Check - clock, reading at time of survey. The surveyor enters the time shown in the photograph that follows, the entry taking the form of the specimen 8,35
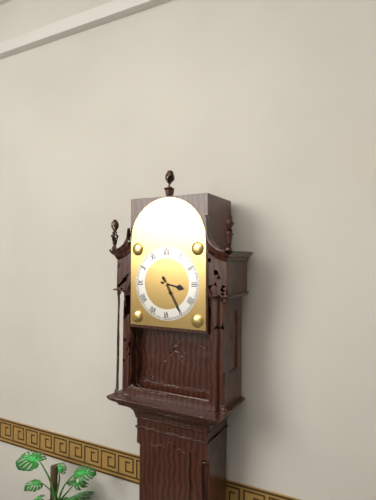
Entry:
3,25
